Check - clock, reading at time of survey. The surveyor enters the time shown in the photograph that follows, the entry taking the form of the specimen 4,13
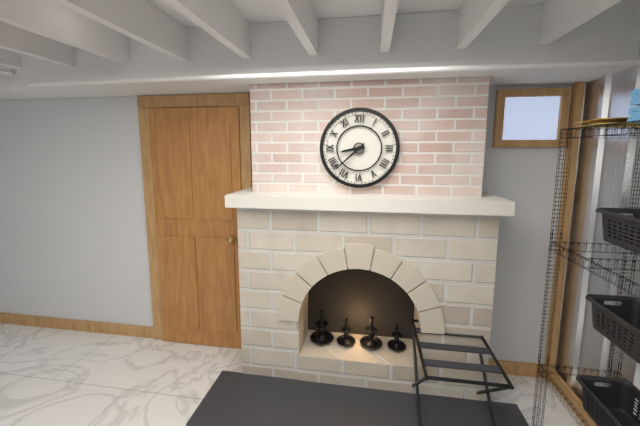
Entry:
8,38
